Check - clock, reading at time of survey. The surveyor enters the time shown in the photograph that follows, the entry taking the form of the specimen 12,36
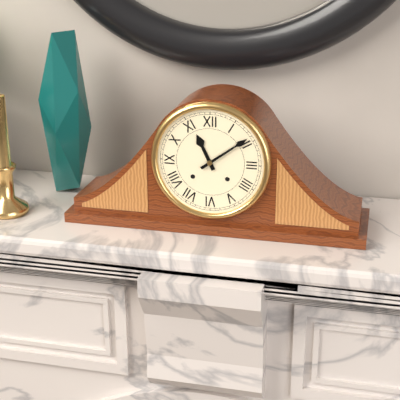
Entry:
11,09
